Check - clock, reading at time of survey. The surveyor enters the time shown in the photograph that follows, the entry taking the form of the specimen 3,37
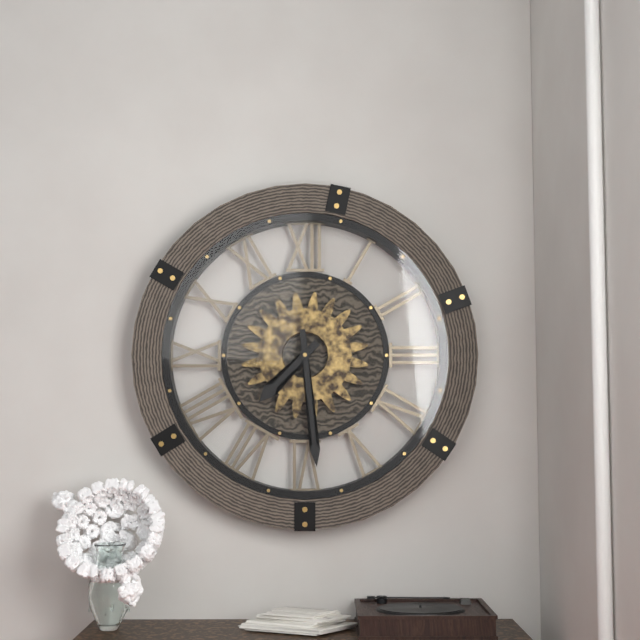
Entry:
7,29
